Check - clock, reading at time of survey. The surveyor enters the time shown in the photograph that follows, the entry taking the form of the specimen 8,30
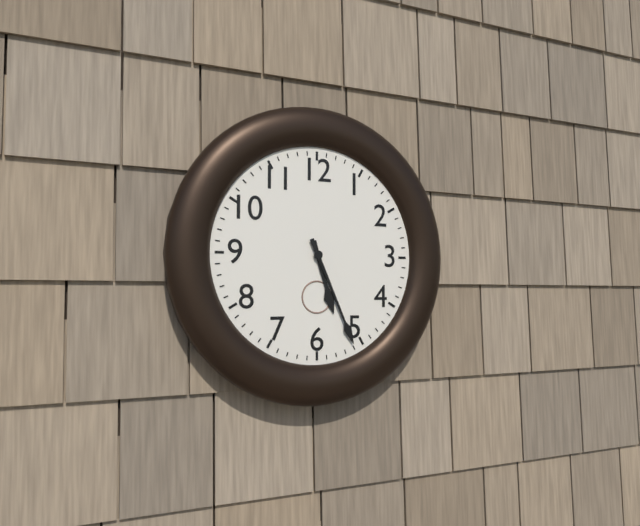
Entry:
5,26
